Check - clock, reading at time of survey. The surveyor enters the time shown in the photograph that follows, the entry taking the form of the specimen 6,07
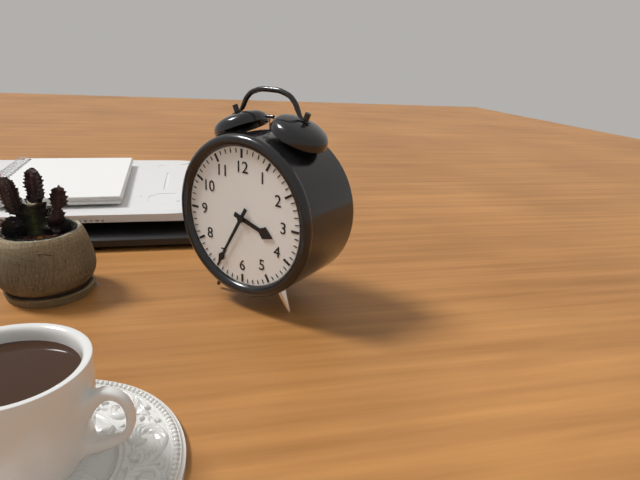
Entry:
3,35
